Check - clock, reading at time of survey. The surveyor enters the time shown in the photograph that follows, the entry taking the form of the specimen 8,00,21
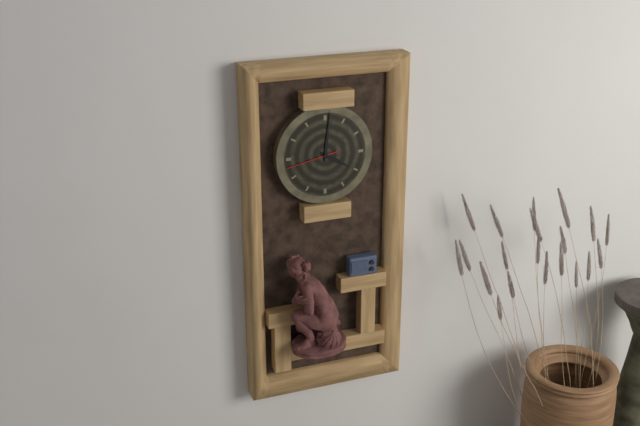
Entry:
4,01,43
